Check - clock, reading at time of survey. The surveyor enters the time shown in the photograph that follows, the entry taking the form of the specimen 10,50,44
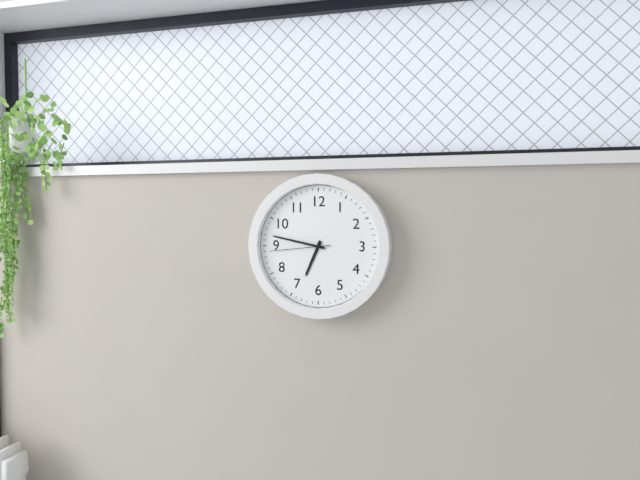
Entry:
6,47,44
